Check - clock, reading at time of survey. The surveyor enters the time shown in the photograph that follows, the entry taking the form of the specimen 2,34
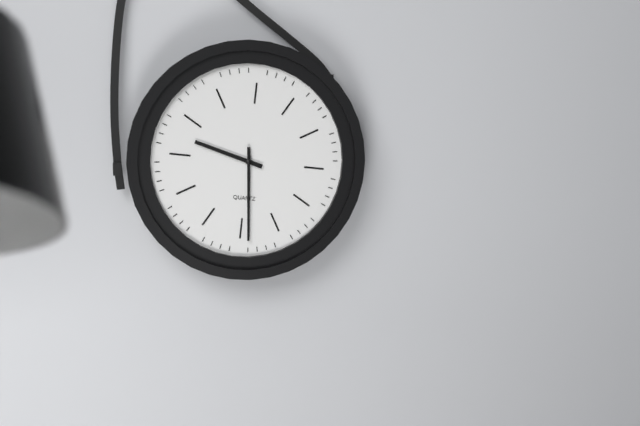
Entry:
9,29
